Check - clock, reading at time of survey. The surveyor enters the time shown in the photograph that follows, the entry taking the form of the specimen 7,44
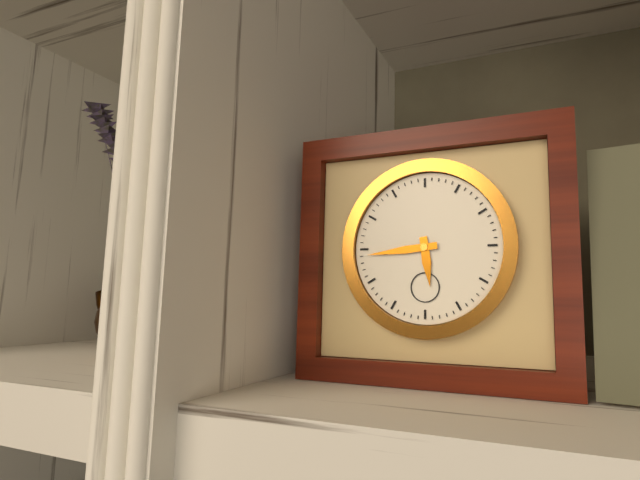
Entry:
5,44
